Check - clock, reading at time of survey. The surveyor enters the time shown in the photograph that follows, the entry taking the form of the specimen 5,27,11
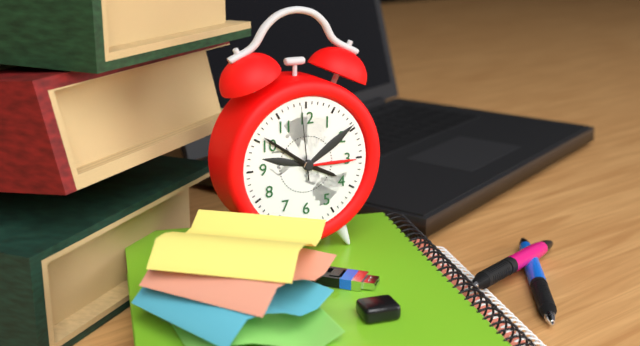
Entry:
3,51,59
